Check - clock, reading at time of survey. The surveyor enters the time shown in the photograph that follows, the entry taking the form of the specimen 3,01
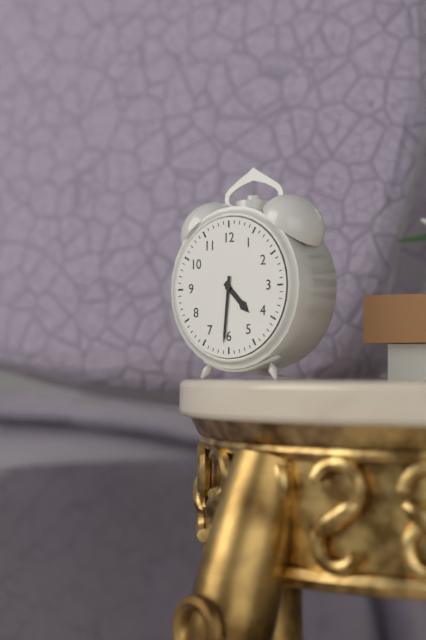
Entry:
4,31
